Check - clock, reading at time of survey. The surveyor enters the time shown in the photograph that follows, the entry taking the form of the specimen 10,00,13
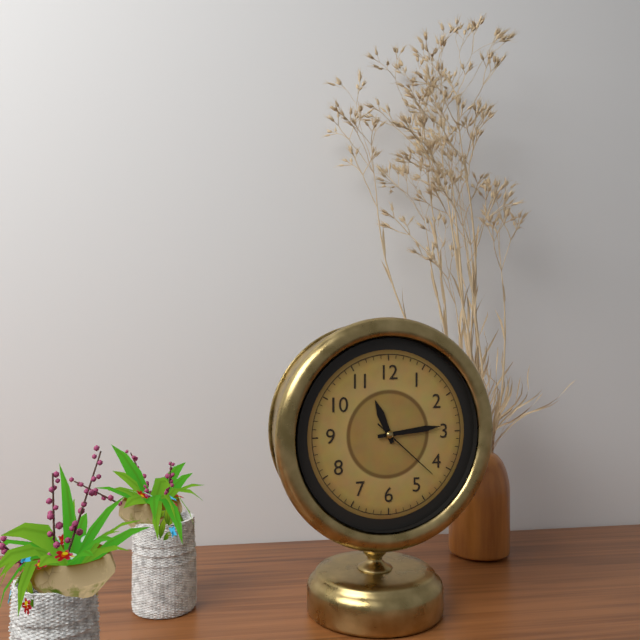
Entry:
11,14,22
